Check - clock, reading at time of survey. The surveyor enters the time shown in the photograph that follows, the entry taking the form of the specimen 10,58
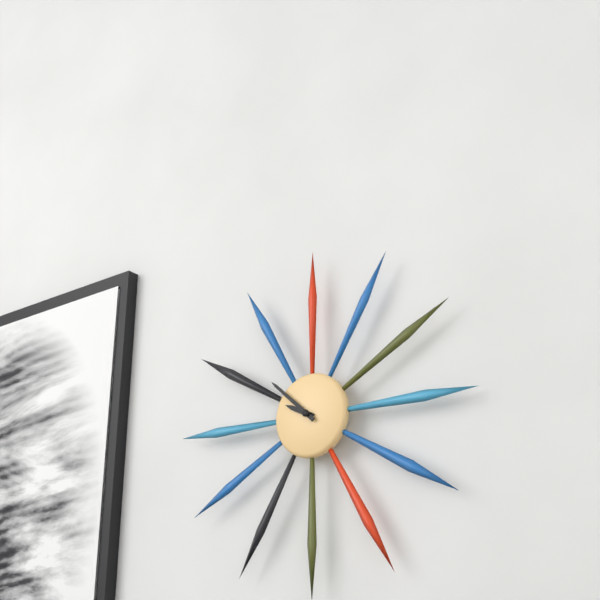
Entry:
9,52
